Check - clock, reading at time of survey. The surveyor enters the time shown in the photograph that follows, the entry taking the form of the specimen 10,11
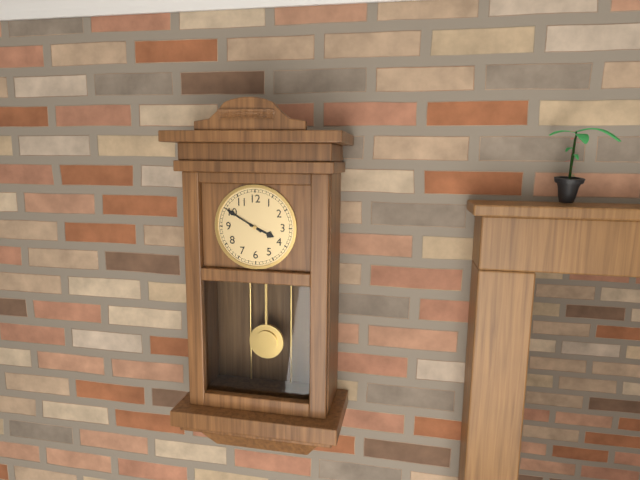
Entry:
3,50
